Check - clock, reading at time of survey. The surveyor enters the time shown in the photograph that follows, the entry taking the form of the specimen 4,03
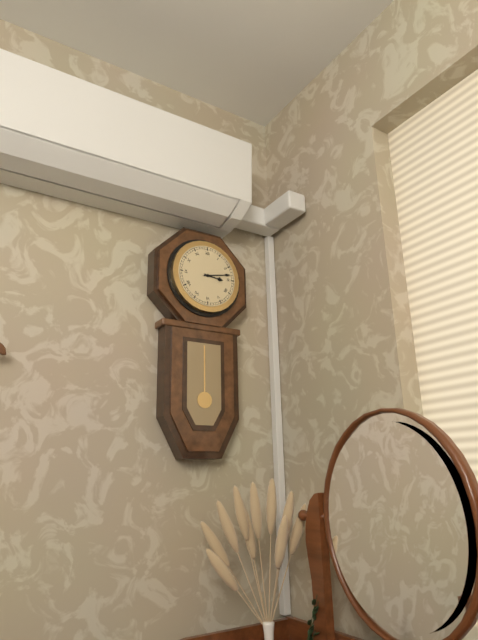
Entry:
3,13
